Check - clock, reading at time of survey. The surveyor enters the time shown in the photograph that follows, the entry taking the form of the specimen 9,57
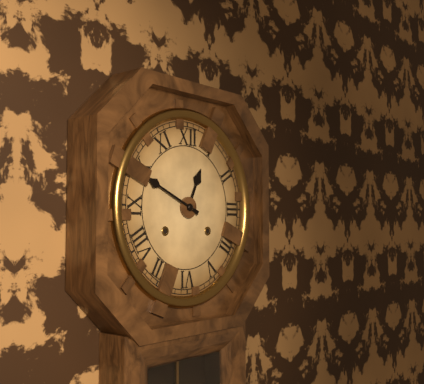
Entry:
12,49
